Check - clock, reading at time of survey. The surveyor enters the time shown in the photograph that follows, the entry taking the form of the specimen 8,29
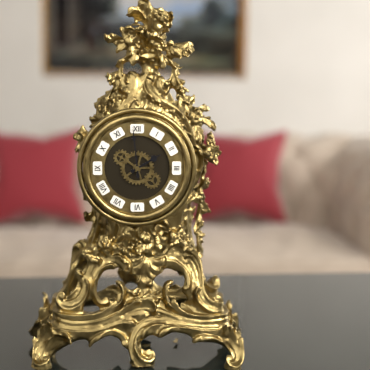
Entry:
1,59
